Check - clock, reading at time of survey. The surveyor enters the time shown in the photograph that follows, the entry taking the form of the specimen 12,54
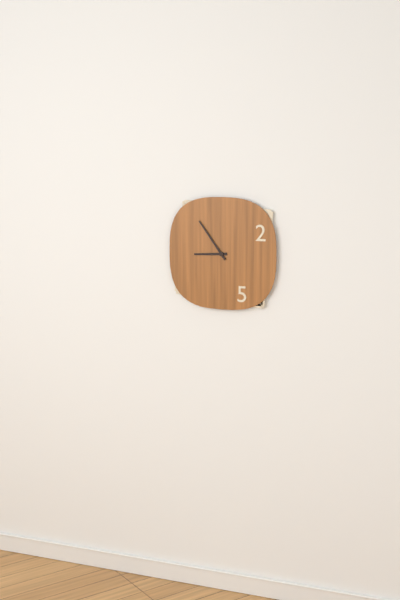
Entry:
8,54
